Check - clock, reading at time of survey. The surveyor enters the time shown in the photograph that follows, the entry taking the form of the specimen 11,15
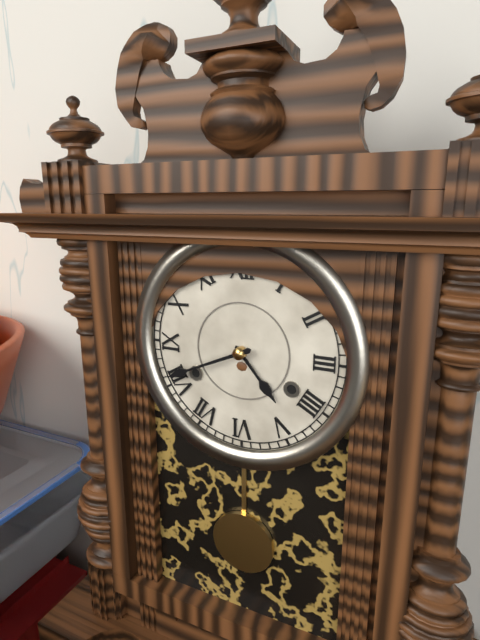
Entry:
4,41
